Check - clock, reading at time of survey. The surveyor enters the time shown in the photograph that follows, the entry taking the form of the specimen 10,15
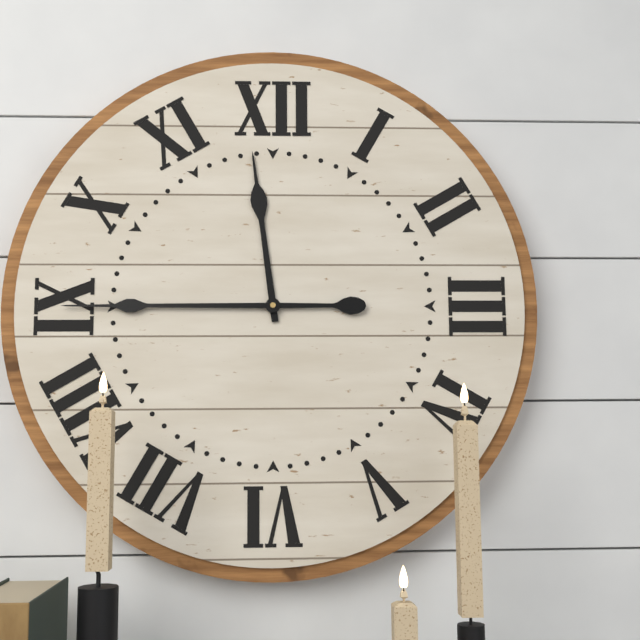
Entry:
11,45
